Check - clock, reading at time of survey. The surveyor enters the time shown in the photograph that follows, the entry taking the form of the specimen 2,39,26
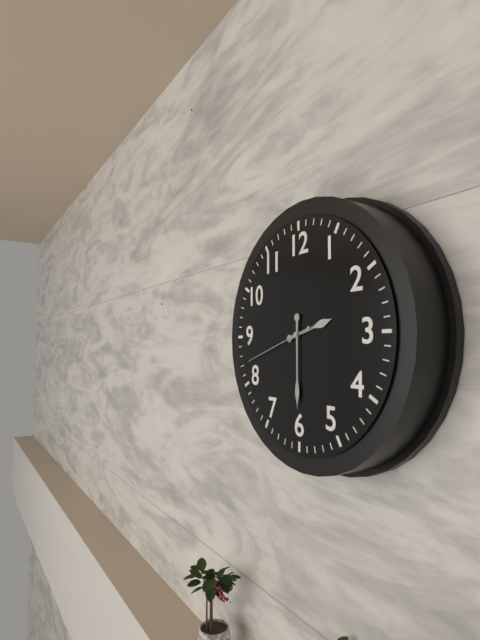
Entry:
2,30,42
